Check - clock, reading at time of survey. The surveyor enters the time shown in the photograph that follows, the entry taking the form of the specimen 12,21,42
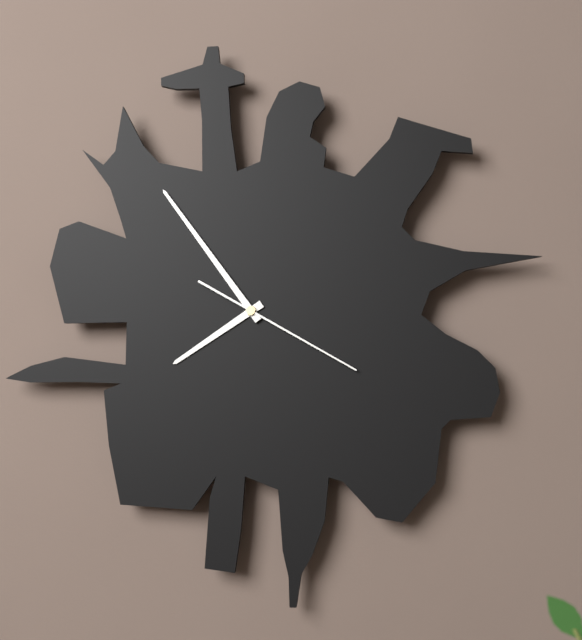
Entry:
7,54,20
